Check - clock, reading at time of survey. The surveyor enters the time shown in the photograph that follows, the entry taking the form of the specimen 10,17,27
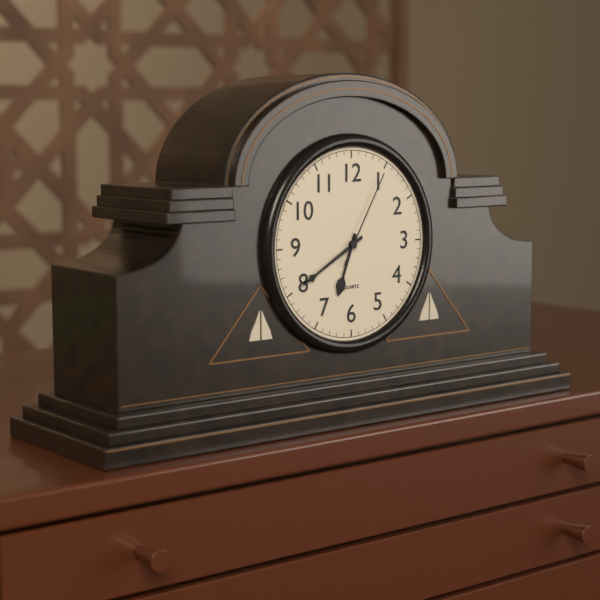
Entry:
6,40,05
